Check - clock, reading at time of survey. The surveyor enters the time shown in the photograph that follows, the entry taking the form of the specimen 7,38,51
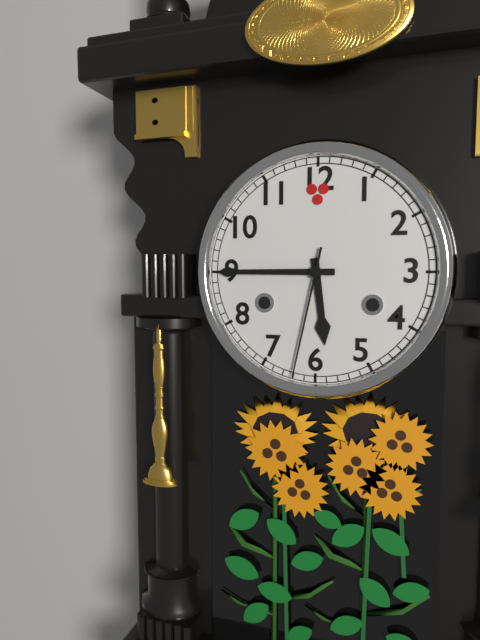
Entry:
5,45,32
